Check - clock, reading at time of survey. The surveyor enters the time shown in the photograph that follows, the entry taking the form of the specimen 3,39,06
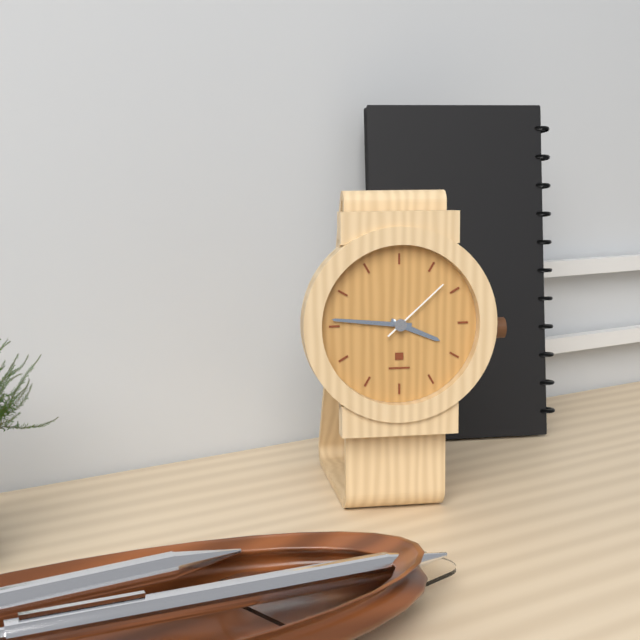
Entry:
3,46,08
